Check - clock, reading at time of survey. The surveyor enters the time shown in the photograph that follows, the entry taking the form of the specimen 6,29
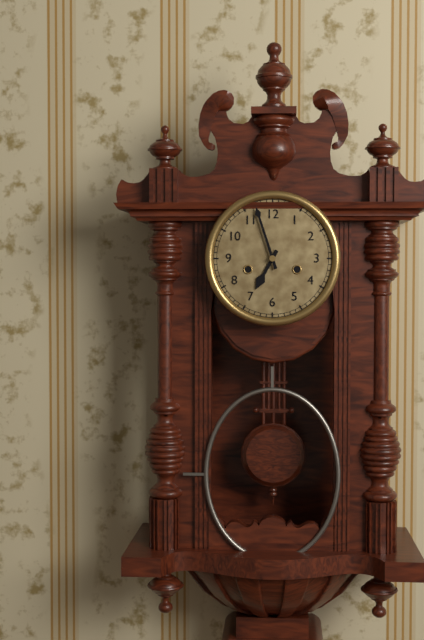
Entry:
6,57
